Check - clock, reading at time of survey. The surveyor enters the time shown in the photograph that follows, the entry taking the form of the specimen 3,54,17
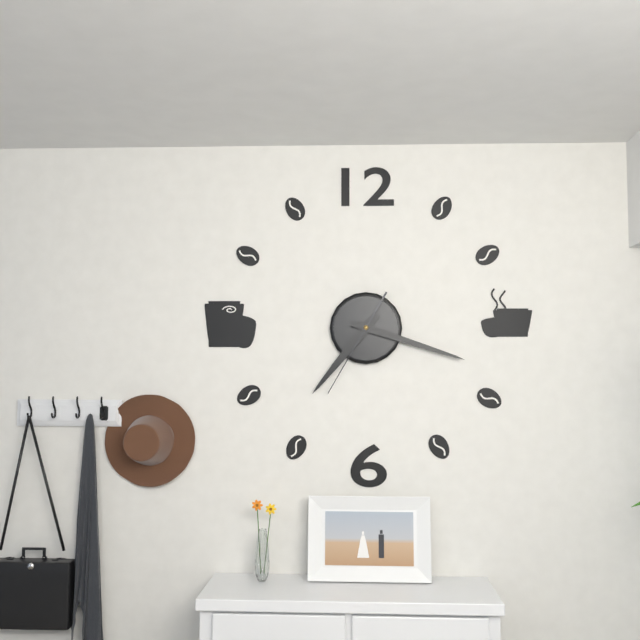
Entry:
7,18,35
